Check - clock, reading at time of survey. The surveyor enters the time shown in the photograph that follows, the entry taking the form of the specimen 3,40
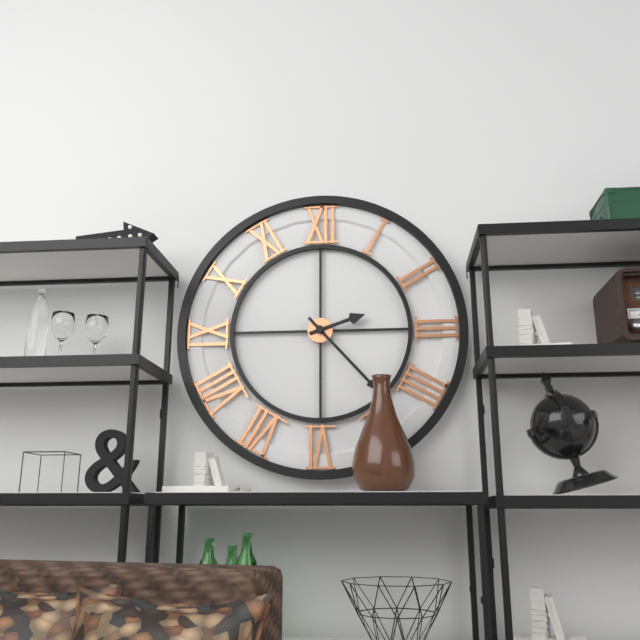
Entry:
2,23
